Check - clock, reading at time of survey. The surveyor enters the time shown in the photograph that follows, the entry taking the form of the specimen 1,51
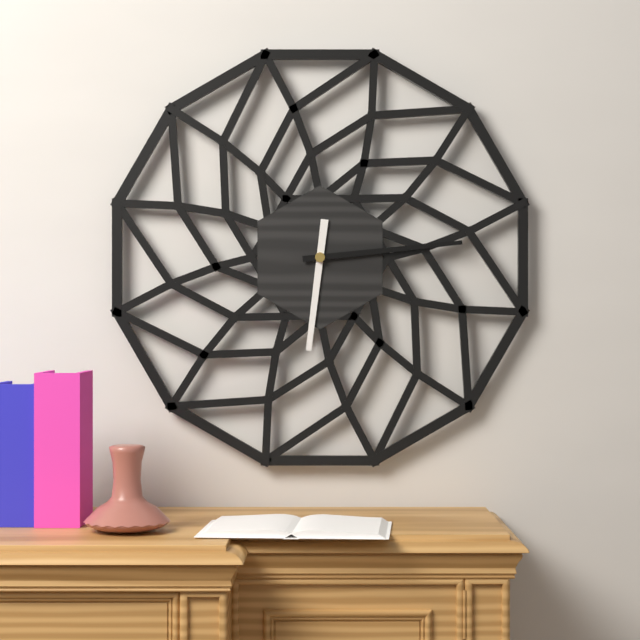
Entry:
6,14
